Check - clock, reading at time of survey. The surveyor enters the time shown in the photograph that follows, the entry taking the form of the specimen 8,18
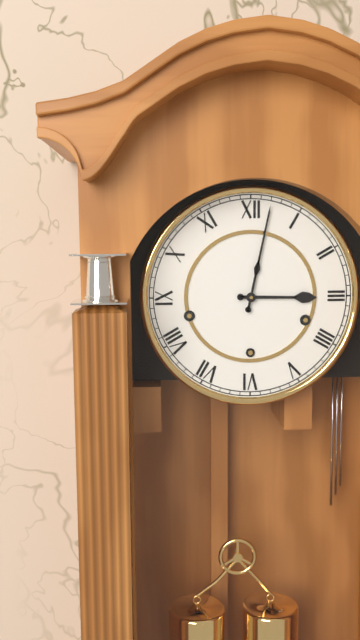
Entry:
3,02
